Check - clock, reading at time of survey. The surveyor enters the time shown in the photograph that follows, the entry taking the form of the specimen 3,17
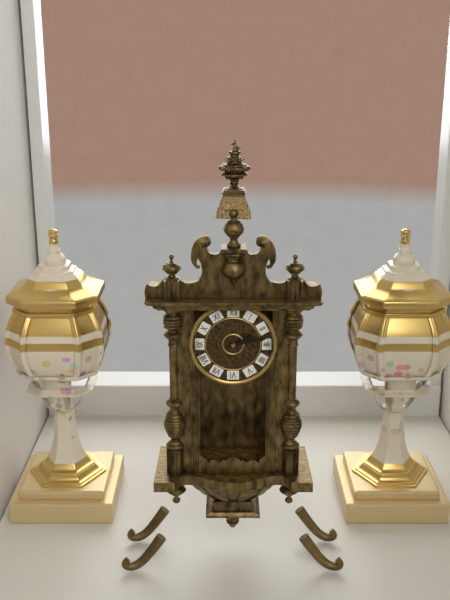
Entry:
2,13
